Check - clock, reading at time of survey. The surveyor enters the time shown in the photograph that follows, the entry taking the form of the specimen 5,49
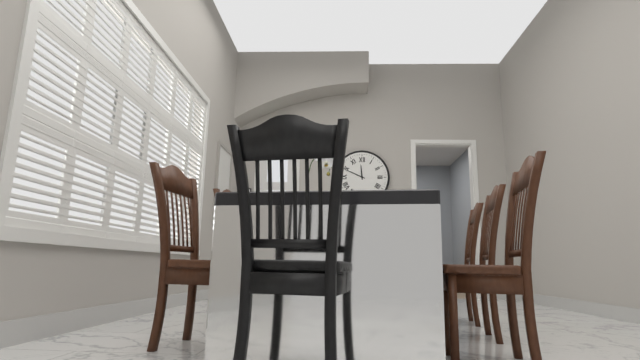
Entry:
11,49
